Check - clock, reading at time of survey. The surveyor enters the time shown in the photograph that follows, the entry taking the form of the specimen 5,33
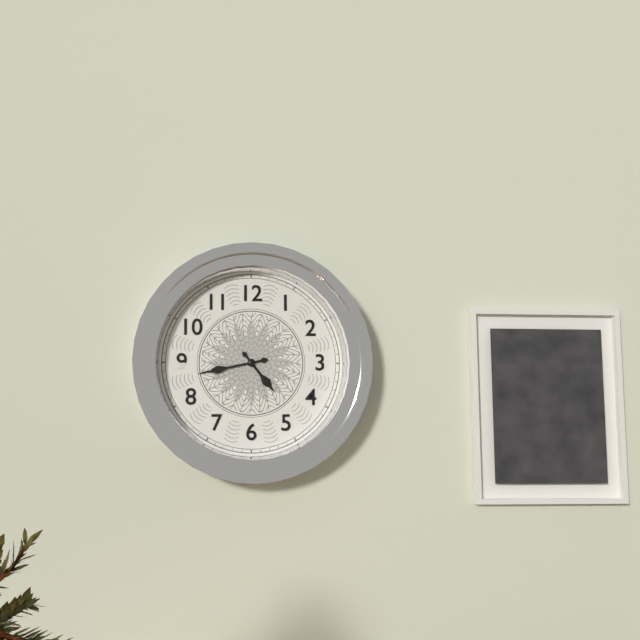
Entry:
4,43
